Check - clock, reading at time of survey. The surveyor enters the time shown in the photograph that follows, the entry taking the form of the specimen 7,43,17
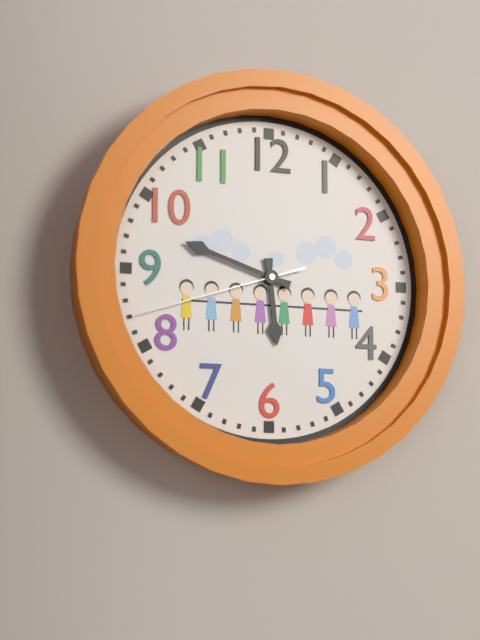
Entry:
5,48,42
